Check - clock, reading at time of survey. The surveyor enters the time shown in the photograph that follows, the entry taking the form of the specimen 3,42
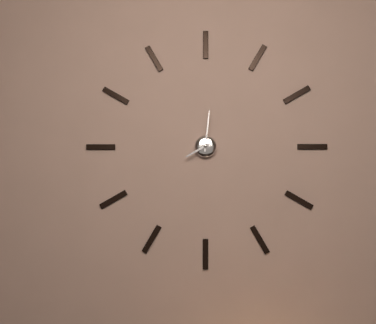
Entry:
8,01
